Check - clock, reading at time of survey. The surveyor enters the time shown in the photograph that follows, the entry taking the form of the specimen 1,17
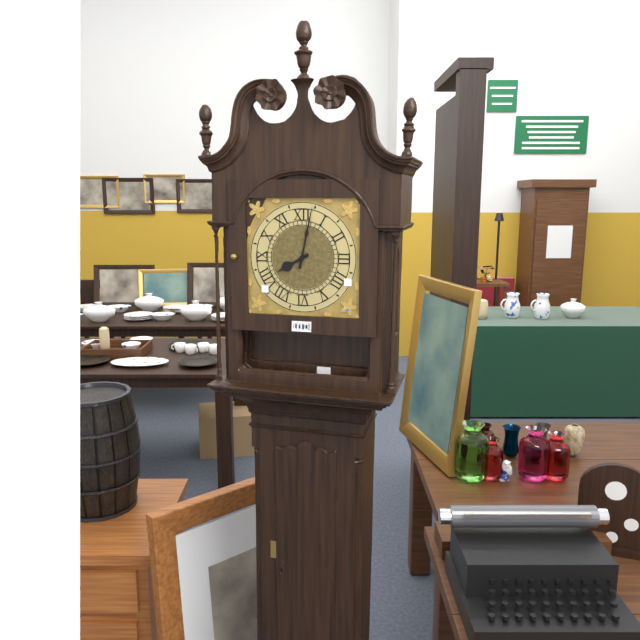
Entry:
8,02
